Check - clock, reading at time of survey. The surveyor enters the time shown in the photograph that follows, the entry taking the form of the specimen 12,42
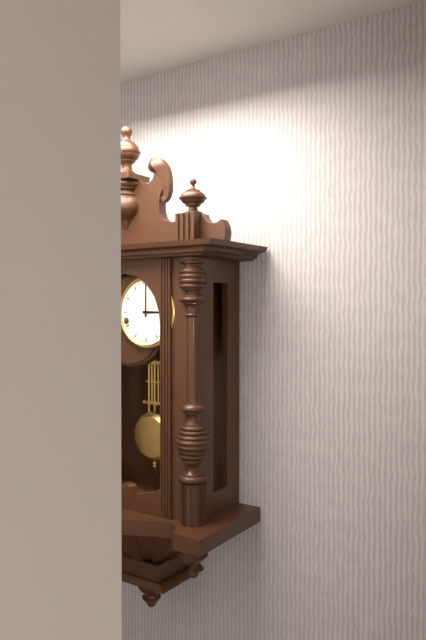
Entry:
3,00
